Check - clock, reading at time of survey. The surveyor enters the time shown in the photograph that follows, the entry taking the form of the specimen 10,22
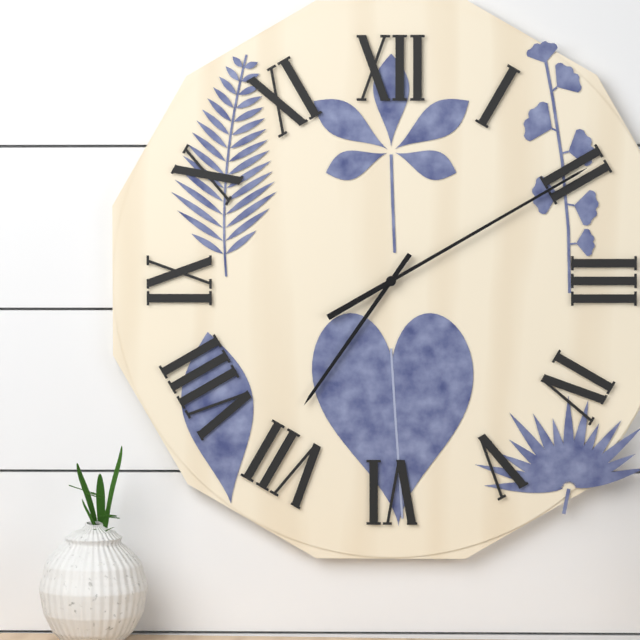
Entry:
7,10
